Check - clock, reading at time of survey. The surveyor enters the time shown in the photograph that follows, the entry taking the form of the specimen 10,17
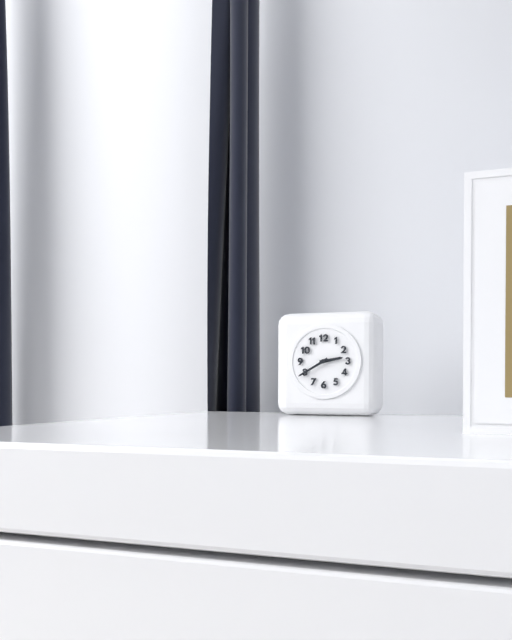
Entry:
2,40
